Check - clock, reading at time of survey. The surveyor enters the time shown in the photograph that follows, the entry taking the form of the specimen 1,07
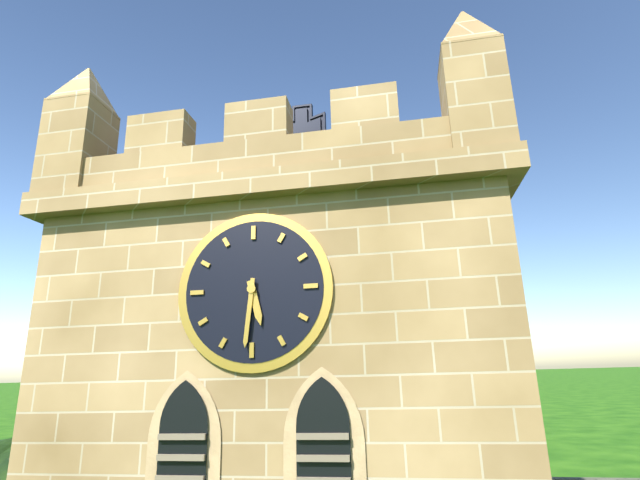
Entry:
5,31
